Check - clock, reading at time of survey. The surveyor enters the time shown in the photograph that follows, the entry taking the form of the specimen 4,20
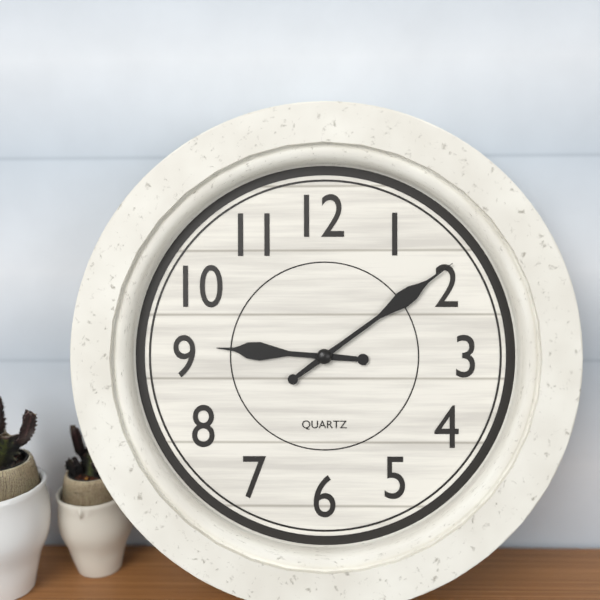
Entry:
9,09
